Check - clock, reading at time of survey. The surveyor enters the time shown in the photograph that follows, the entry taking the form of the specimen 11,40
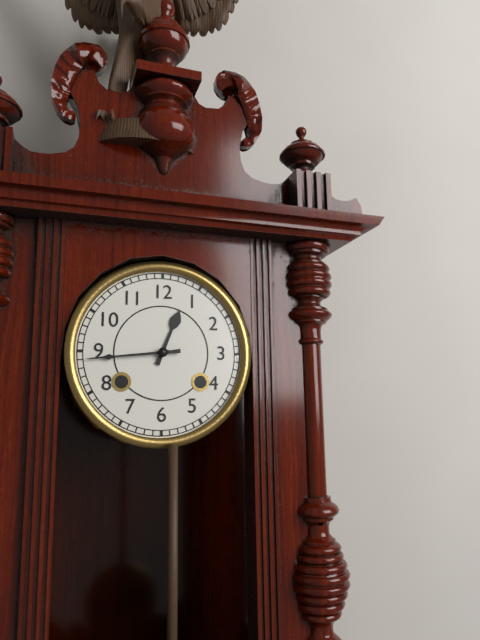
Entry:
12,44
